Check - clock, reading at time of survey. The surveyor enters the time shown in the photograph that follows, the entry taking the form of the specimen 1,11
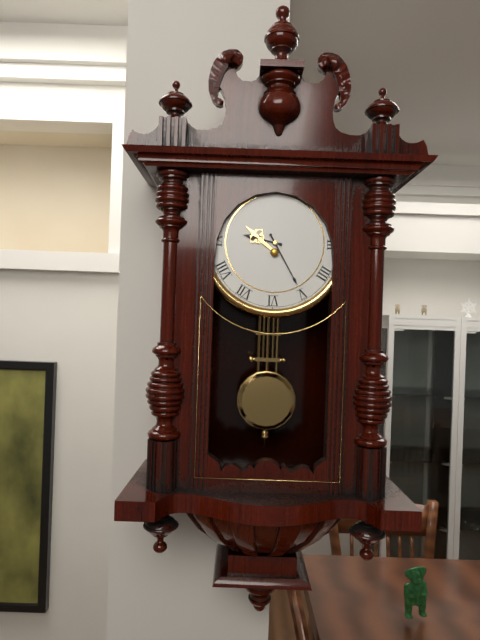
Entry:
9,25
